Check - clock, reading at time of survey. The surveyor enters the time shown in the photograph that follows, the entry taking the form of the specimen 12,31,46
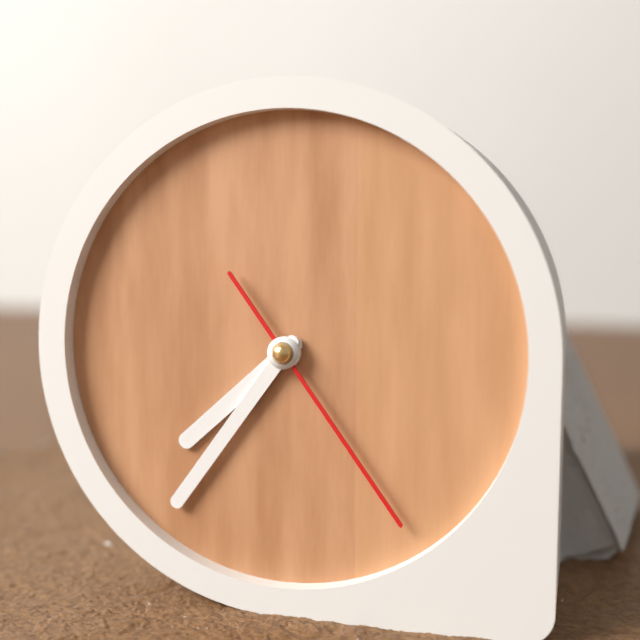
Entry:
7,36,24
